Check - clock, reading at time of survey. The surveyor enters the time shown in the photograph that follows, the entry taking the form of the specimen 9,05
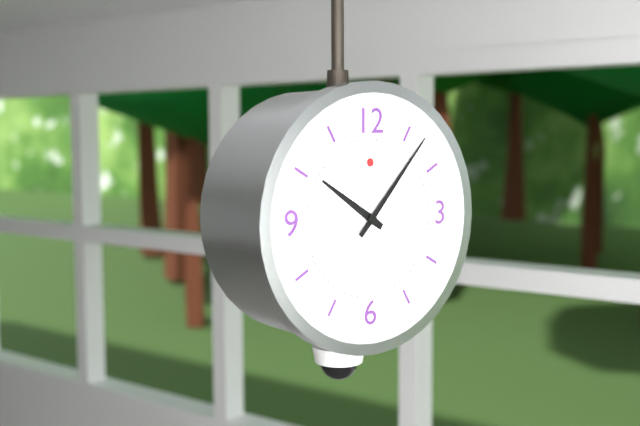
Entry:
10,07
